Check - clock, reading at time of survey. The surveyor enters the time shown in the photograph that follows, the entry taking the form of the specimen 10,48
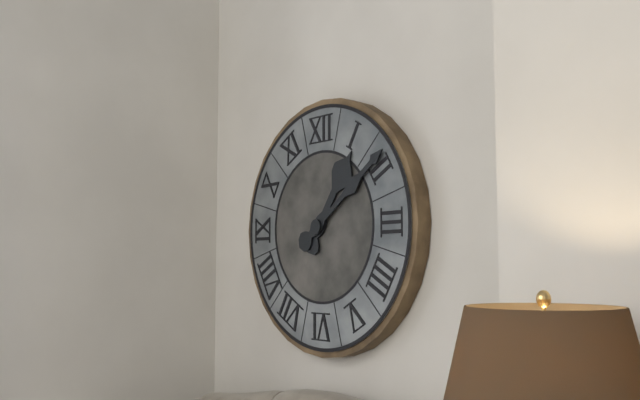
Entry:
1,09
